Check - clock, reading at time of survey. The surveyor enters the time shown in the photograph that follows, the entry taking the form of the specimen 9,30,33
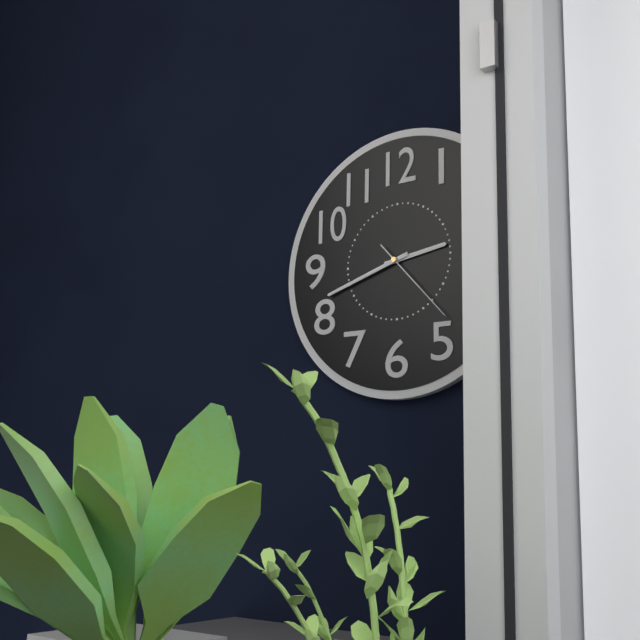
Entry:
2,42,23
